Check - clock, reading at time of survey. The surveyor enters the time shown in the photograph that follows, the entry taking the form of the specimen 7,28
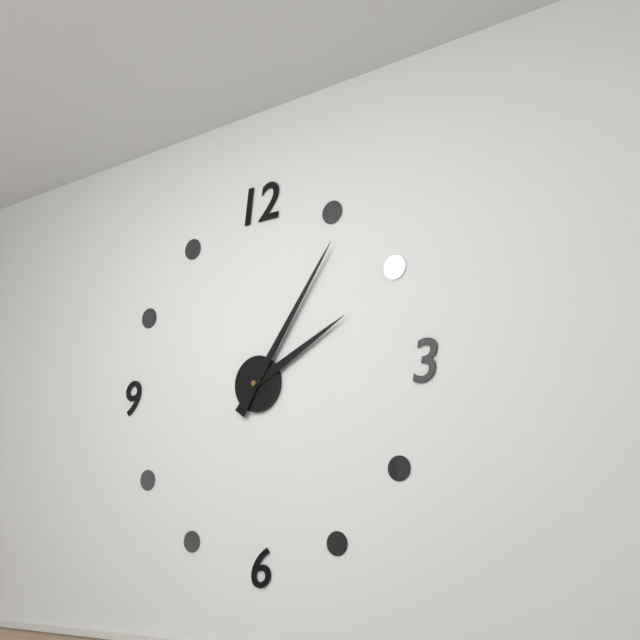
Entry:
2,06
